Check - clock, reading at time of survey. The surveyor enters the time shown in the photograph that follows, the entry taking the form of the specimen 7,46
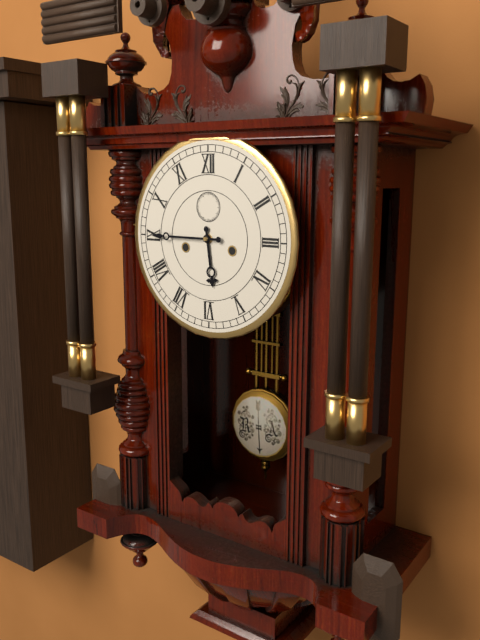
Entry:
5,45
